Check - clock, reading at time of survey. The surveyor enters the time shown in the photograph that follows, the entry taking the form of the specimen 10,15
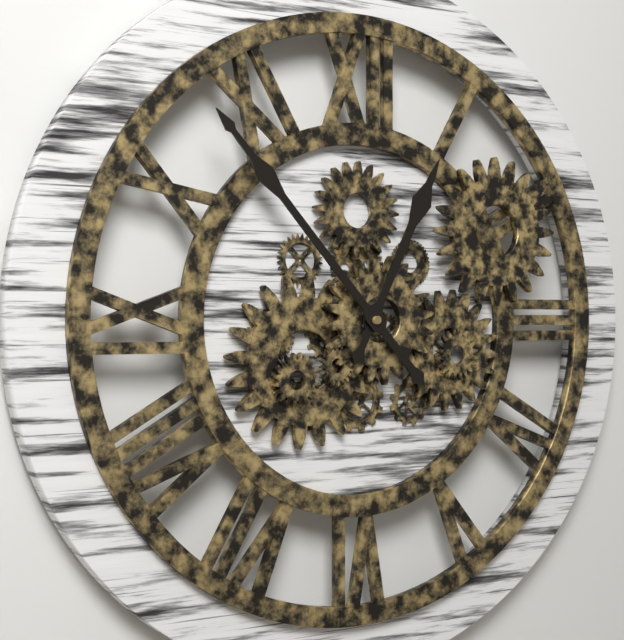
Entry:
12,53
